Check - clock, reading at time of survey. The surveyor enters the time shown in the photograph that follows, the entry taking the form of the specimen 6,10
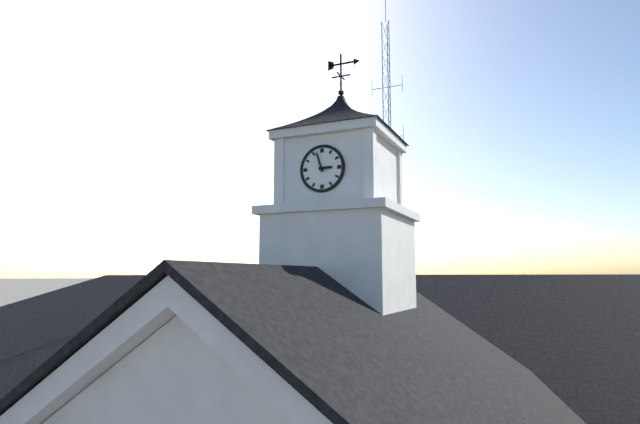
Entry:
2,57
